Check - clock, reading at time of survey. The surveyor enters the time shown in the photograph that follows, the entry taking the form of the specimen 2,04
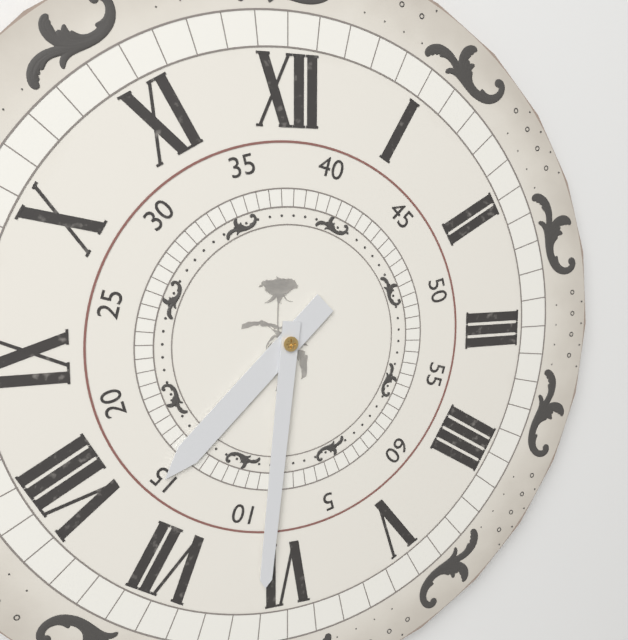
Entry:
7,31
